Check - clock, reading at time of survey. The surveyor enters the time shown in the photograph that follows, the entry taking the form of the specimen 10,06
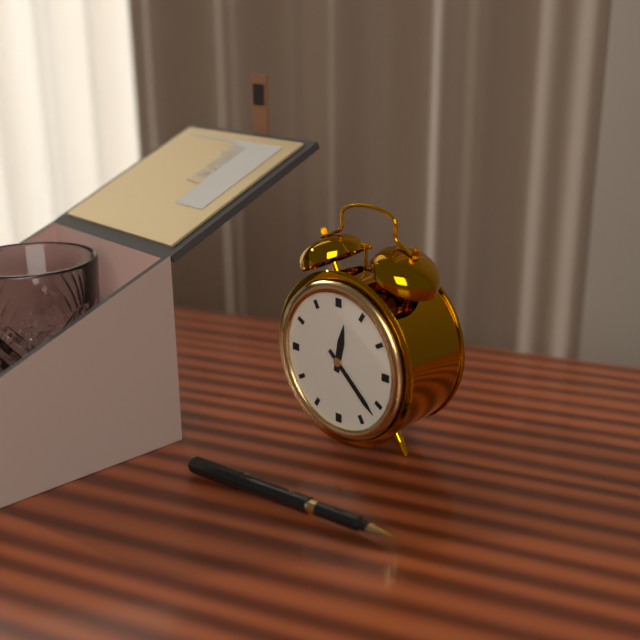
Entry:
12,22
